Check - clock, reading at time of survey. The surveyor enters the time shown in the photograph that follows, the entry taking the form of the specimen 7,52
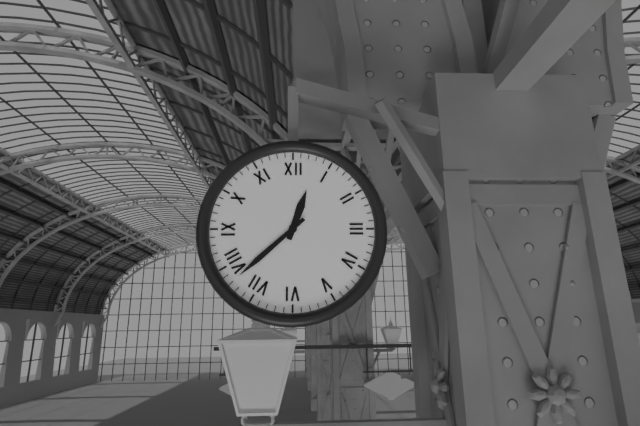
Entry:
12,38
